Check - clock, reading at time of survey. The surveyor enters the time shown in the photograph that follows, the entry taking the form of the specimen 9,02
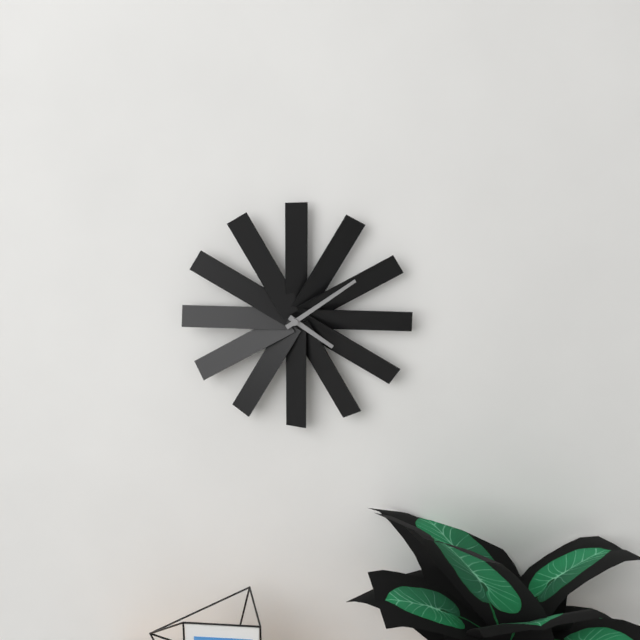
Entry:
4,09
